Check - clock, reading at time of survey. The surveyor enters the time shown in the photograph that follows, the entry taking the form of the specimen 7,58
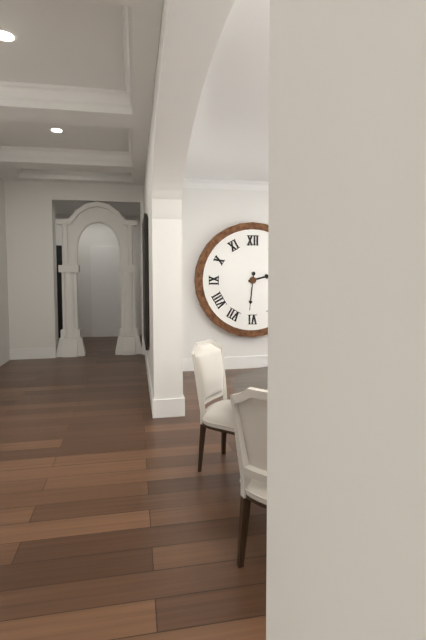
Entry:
2,31
